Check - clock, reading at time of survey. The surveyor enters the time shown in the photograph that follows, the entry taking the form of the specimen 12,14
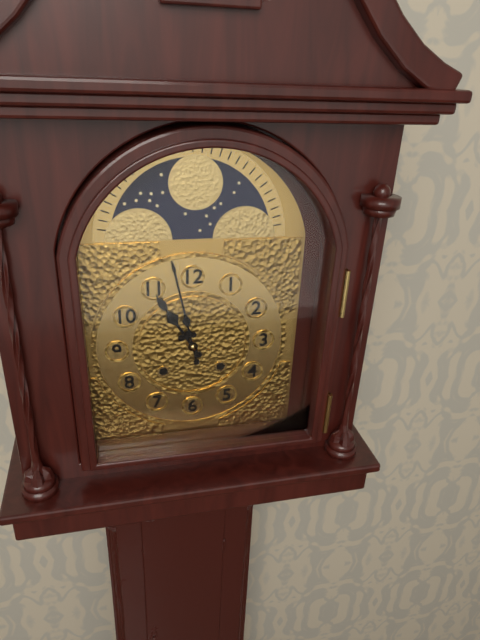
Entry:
10,58
